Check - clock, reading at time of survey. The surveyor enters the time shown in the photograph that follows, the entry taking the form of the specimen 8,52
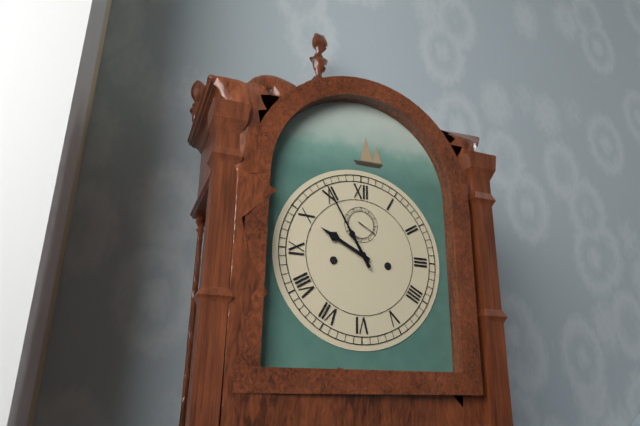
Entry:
9,55
